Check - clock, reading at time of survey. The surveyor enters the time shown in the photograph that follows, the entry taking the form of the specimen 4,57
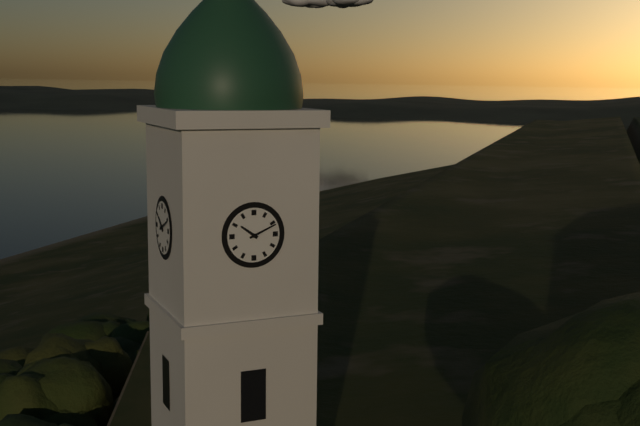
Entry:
10,11
